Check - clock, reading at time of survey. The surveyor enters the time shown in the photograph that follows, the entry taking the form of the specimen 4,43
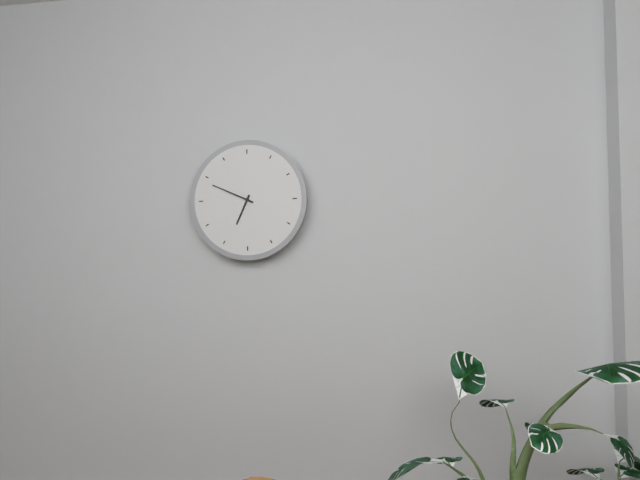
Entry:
6,49
